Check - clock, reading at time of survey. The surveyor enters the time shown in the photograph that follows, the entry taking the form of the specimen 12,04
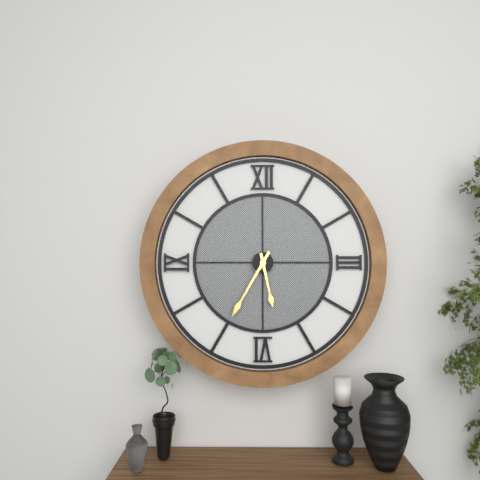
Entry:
5,35
